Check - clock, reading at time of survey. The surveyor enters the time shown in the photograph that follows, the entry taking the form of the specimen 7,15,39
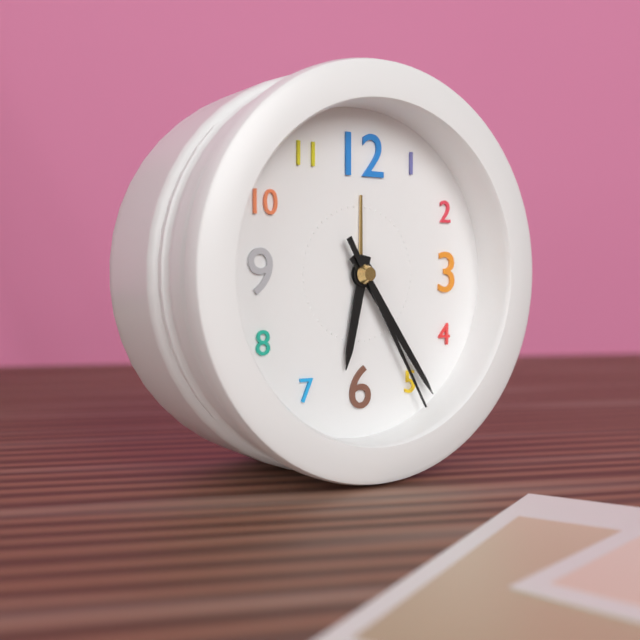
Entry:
6,24,25
